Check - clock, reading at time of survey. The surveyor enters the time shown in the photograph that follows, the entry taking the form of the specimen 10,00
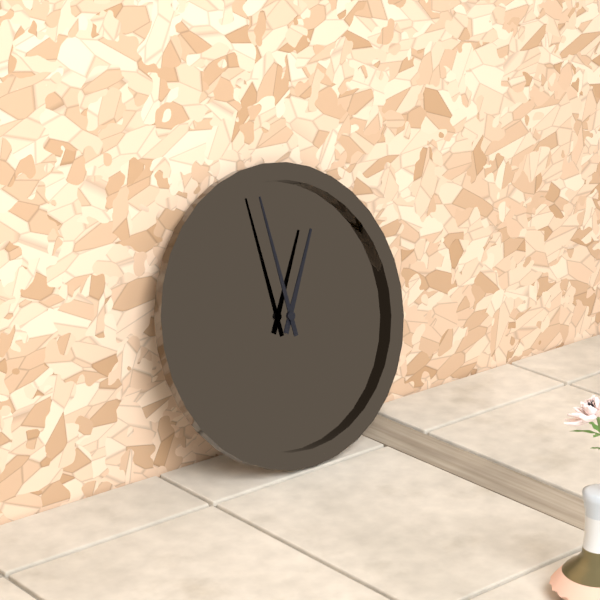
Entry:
12,59
